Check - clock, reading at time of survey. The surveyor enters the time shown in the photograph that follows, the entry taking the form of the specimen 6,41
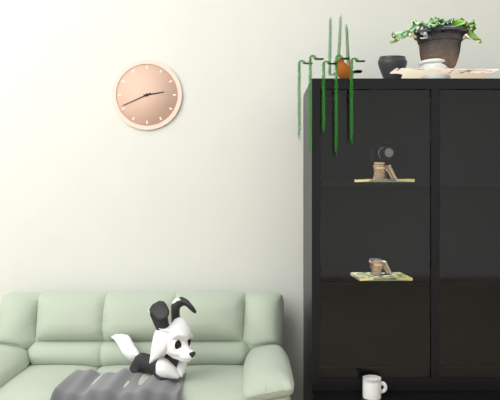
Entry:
2,41
